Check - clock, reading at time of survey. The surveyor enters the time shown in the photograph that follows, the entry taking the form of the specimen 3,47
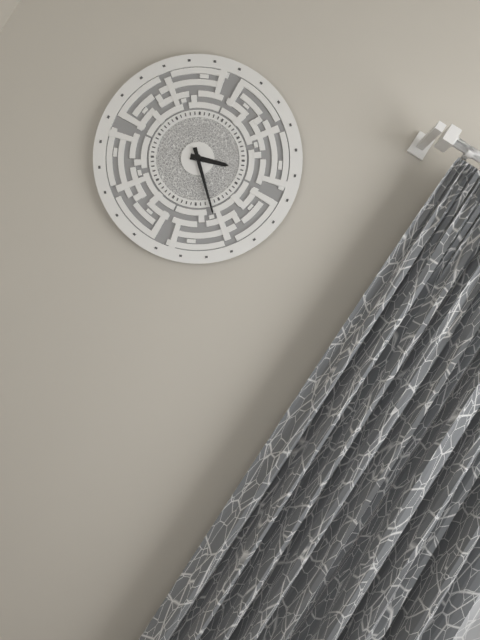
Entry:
2,22
